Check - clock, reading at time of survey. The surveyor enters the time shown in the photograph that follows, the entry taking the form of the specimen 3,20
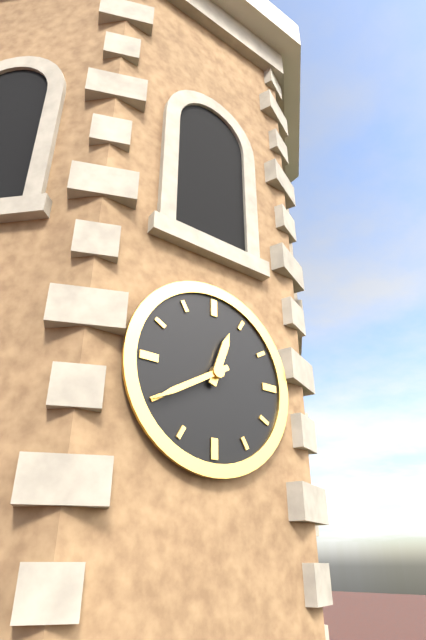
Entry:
12,40
